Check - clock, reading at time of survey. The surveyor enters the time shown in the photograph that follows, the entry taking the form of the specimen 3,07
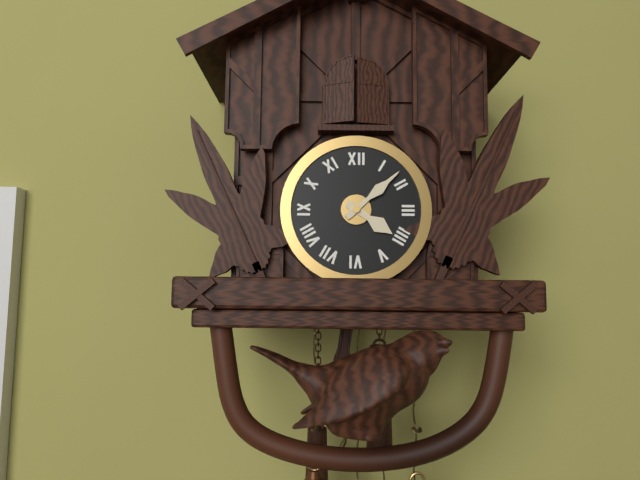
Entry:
4,08
